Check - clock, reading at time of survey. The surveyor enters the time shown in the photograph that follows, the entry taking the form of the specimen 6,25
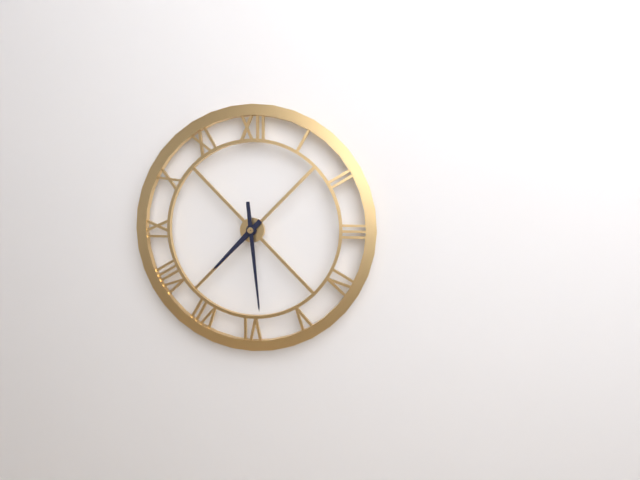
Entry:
7,29
